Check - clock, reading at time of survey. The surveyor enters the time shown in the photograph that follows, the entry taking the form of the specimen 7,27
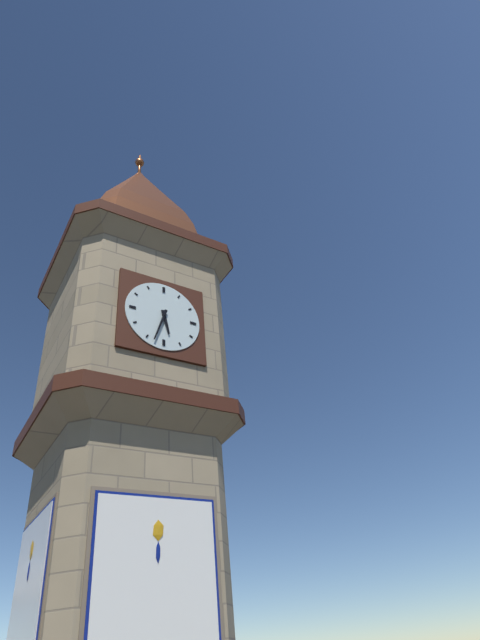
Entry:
5,33
